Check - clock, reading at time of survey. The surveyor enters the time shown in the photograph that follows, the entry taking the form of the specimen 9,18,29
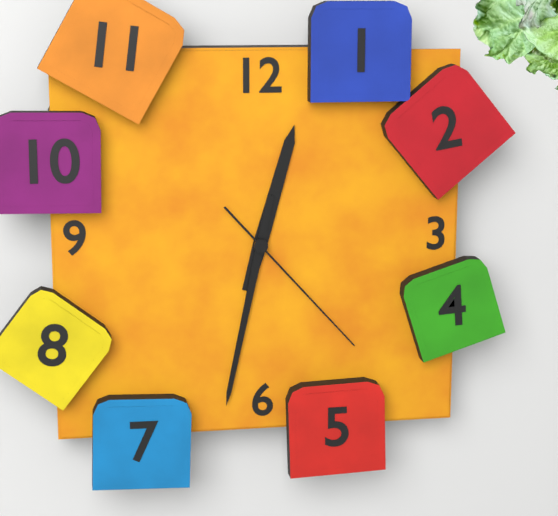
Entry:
12,32,23
